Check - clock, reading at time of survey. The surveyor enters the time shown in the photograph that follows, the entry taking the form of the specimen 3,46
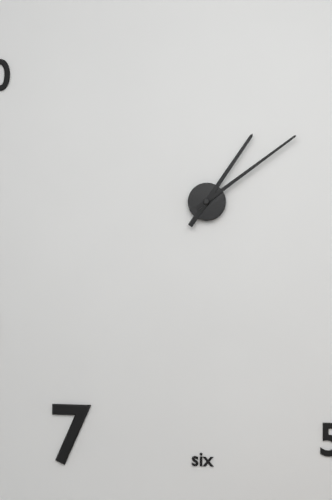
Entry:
1,09
